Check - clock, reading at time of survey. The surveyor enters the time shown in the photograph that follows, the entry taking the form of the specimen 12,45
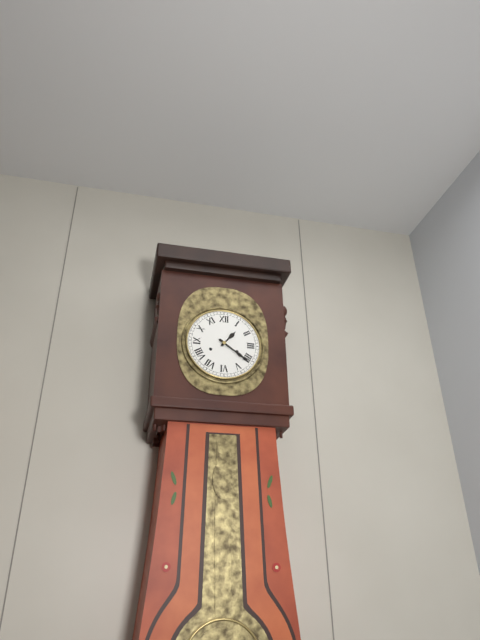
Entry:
1,21
